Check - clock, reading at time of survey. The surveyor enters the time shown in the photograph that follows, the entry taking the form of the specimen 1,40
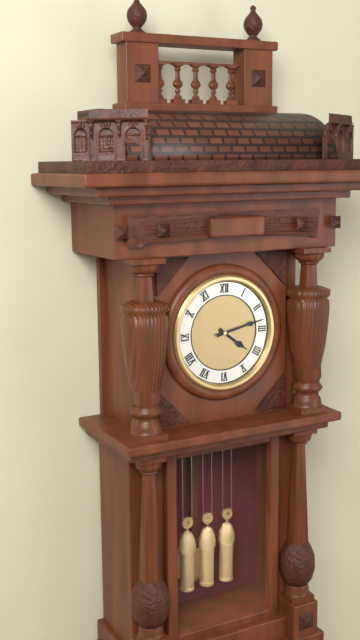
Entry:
4,13
